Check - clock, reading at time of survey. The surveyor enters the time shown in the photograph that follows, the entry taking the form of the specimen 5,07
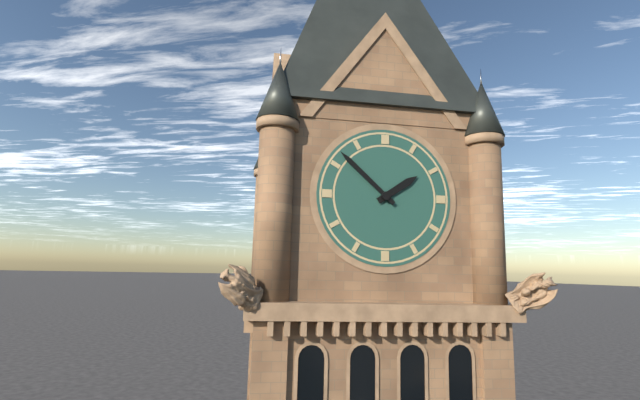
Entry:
1,52
